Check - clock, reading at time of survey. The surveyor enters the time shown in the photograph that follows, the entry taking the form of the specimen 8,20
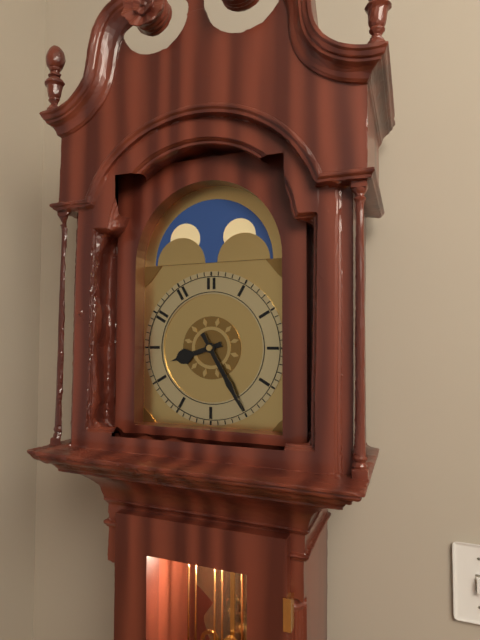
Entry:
8,25
